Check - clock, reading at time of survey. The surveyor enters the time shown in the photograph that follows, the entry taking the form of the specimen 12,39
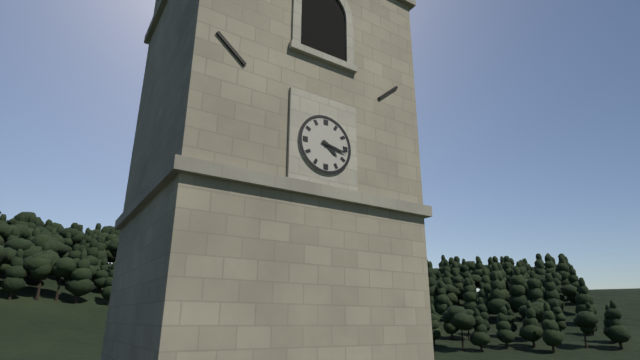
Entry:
4,17
